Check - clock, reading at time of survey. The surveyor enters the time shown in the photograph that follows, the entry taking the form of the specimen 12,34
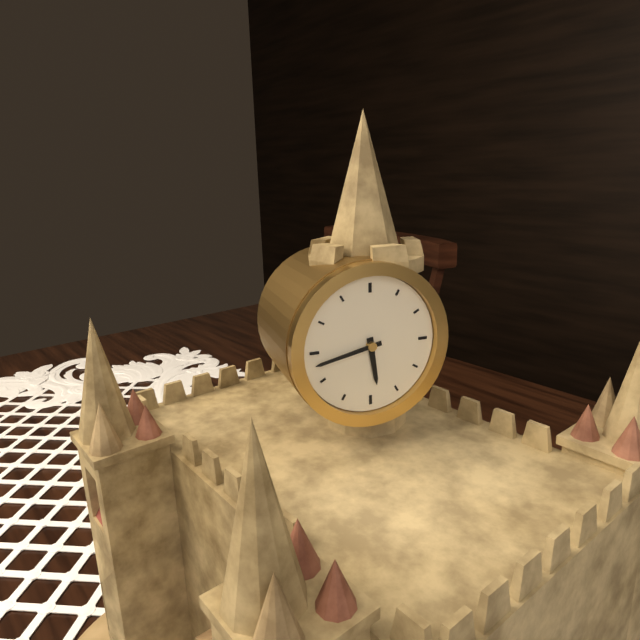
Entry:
5,43
